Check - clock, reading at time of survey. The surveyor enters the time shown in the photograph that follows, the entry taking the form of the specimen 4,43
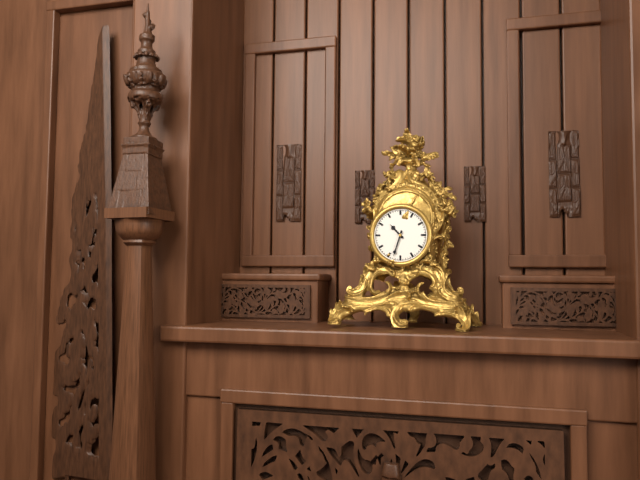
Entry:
10,33
